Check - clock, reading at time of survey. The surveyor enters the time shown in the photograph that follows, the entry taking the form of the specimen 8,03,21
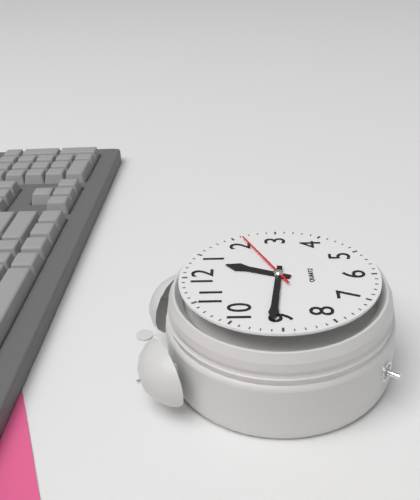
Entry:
12,46,11
